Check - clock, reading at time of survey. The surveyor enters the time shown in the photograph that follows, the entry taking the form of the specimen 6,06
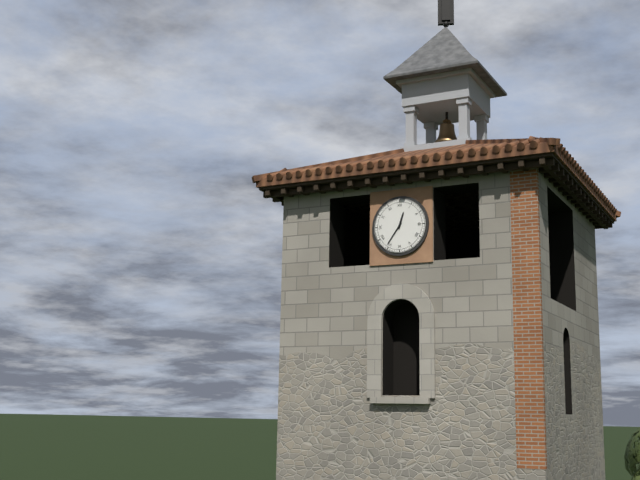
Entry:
12,36
